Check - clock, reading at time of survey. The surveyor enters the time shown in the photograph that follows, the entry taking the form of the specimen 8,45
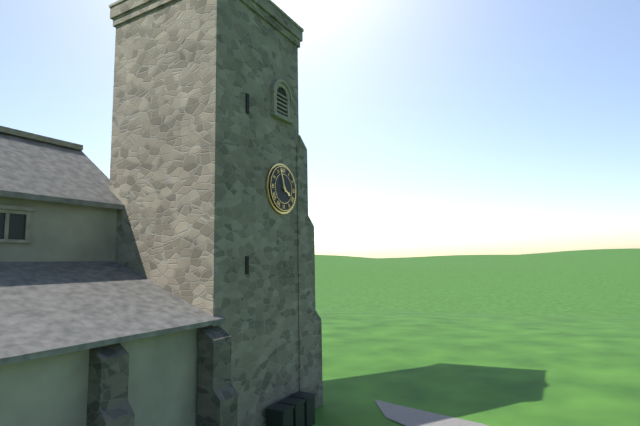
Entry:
3,57
